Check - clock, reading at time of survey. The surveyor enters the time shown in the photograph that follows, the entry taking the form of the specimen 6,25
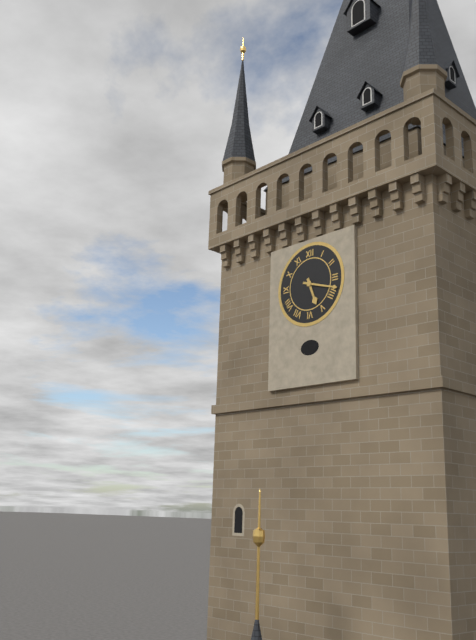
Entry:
5,18
